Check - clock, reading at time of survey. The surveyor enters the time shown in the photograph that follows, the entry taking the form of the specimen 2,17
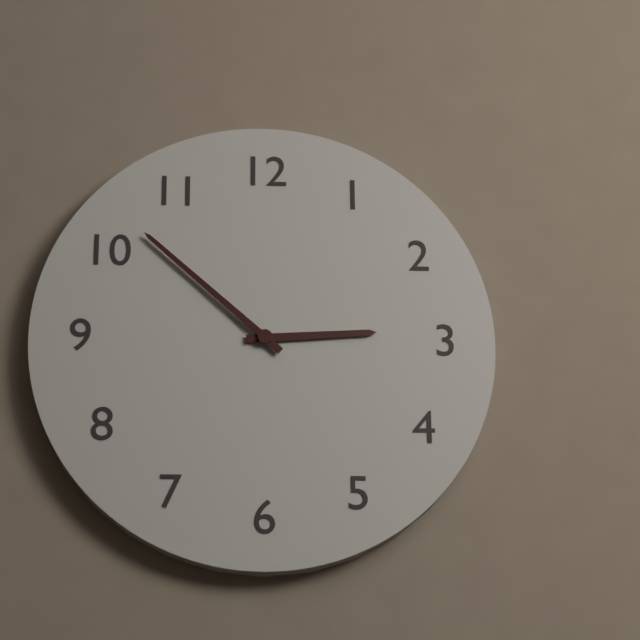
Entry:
2,52
